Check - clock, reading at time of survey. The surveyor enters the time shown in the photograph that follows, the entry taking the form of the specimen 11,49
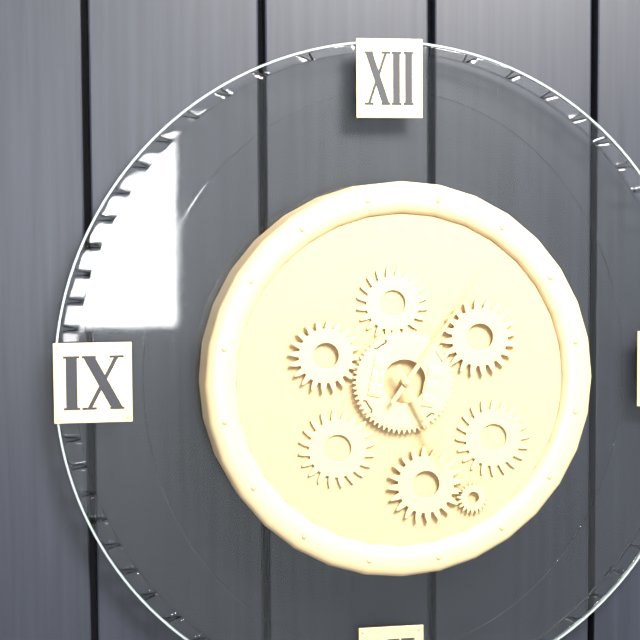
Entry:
5,06
